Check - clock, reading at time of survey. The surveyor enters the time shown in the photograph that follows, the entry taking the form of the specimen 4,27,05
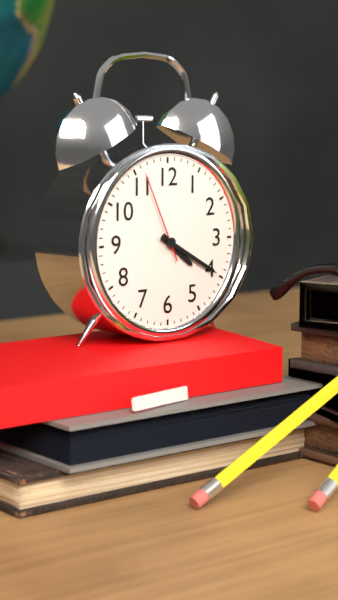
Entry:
4,20,56
